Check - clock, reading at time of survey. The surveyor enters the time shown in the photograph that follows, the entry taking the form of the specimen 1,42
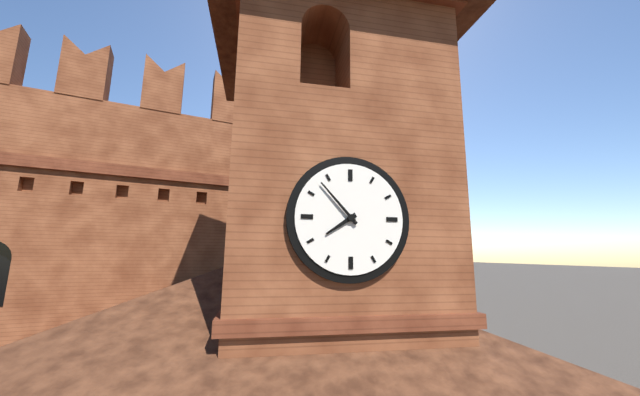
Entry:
7,53
